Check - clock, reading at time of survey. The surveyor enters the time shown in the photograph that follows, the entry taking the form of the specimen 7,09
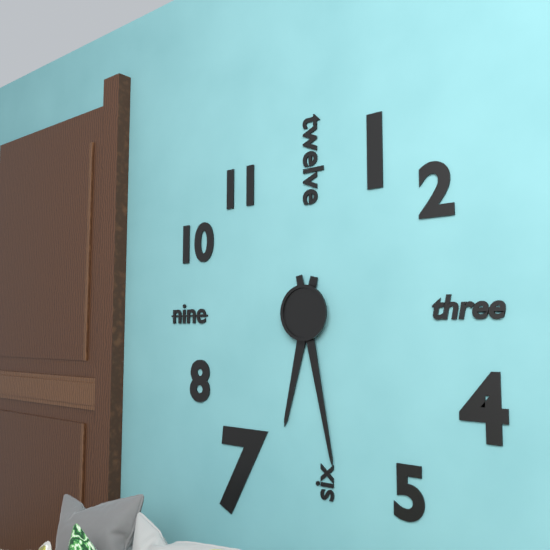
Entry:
6,28
